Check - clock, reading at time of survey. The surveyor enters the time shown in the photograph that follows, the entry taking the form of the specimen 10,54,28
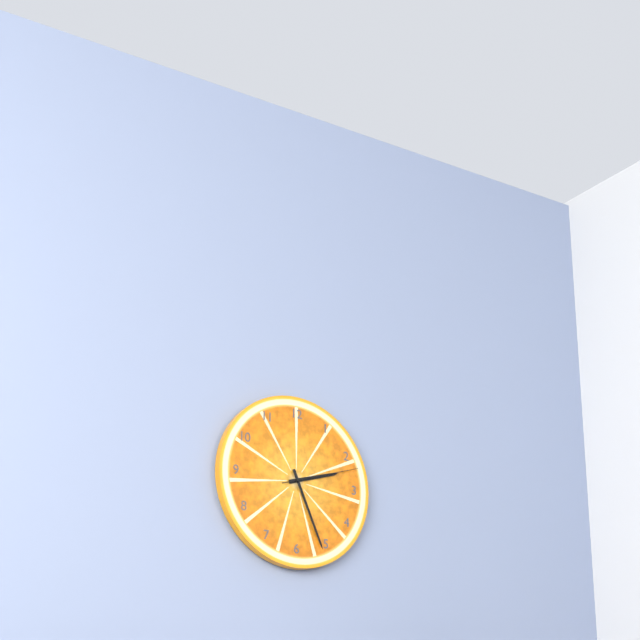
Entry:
2,26,12
